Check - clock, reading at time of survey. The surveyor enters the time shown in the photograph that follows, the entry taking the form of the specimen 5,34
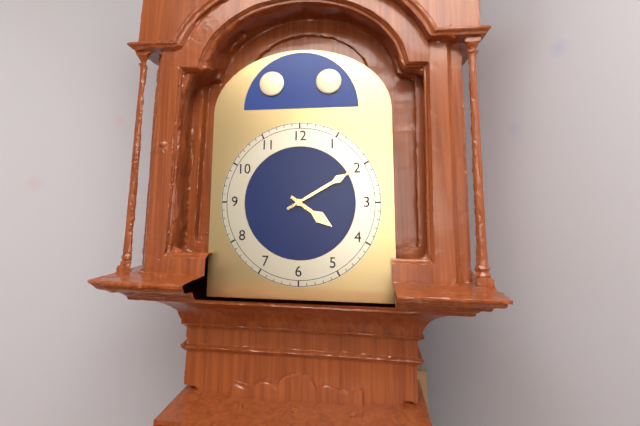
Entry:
4,10
